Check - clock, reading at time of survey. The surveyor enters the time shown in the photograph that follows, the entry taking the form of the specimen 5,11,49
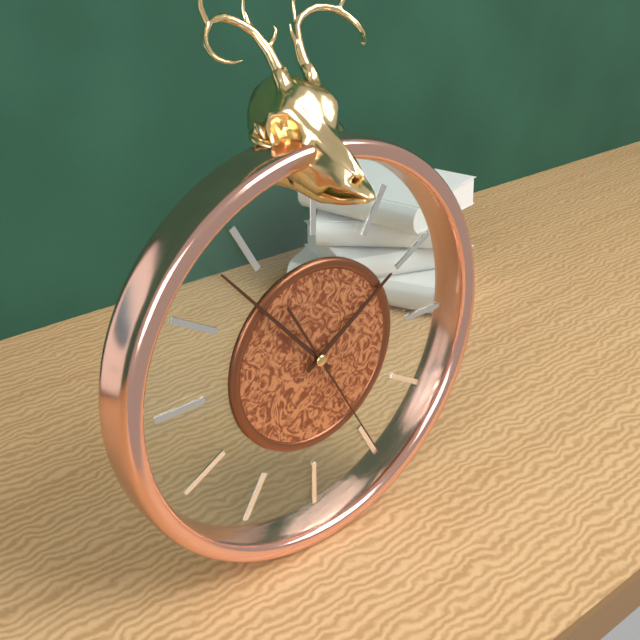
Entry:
1,53,25
